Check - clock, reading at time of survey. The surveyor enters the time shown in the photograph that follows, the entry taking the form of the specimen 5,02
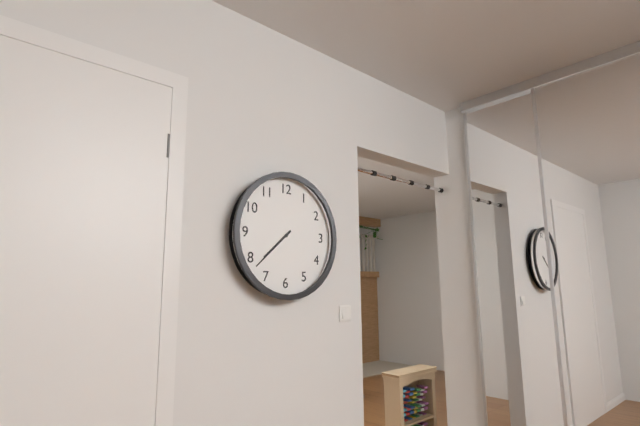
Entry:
7,38
